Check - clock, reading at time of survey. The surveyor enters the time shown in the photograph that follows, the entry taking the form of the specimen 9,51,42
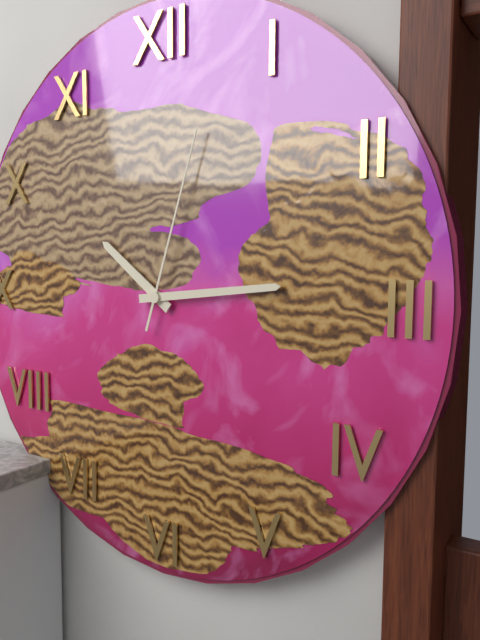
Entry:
10,14,03
